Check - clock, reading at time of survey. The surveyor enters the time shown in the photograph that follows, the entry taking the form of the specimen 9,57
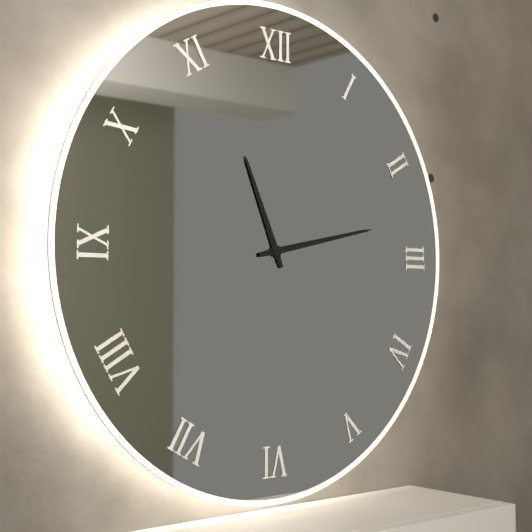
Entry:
11,13
